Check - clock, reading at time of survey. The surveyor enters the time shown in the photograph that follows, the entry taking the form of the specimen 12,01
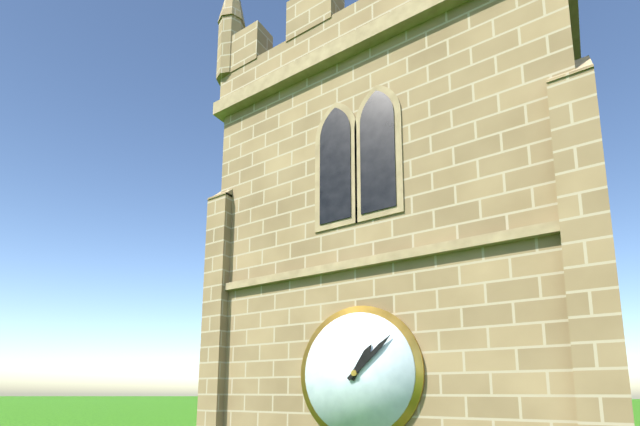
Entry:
1,08
